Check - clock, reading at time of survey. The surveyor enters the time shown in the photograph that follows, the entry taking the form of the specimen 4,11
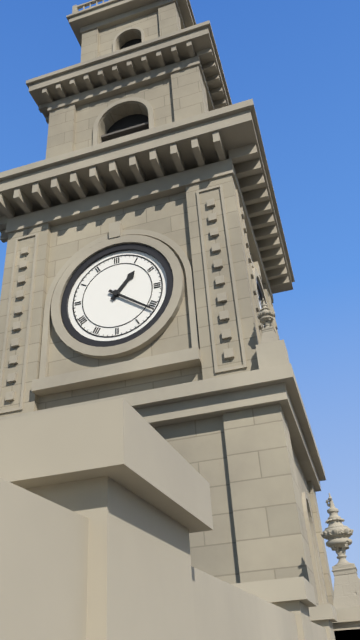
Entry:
1,21
